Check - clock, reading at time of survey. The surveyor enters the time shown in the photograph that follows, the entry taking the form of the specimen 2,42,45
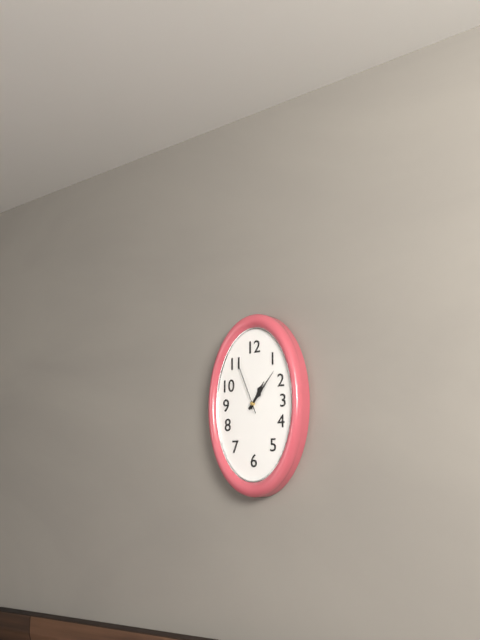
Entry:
1,07,56
